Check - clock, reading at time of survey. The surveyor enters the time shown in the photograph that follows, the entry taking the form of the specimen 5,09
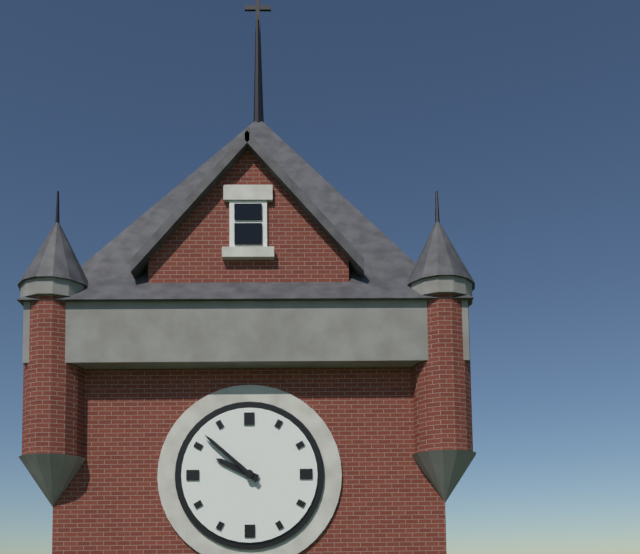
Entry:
9,52
